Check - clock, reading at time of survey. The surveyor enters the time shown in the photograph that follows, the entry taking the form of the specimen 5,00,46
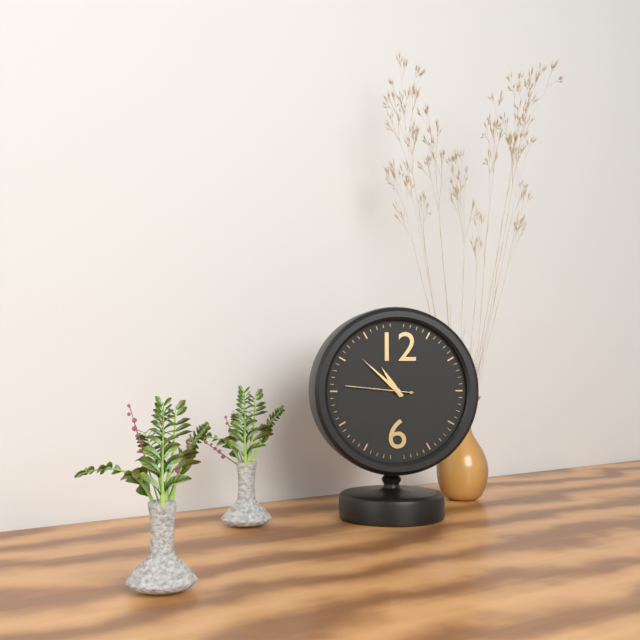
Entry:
10,52,46
